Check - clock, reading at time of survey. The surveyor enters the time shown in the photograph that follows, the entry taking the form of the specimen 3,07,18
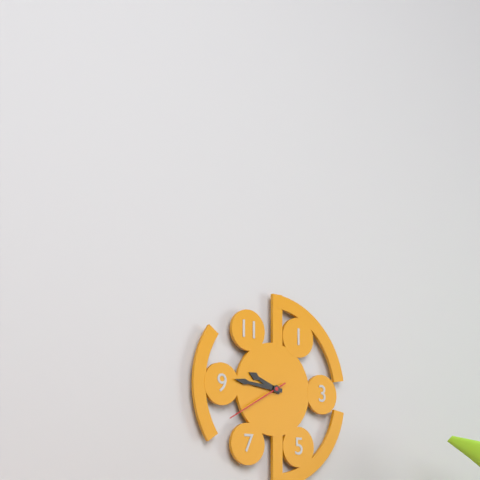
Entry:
9,46,40
